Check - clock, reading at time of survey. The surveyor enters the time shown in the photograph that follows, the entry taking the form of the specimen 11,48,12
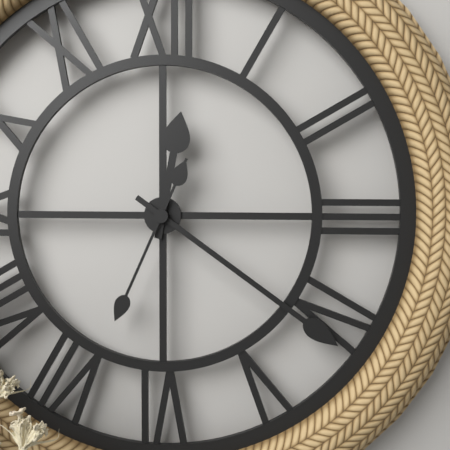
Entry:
12,21,34
